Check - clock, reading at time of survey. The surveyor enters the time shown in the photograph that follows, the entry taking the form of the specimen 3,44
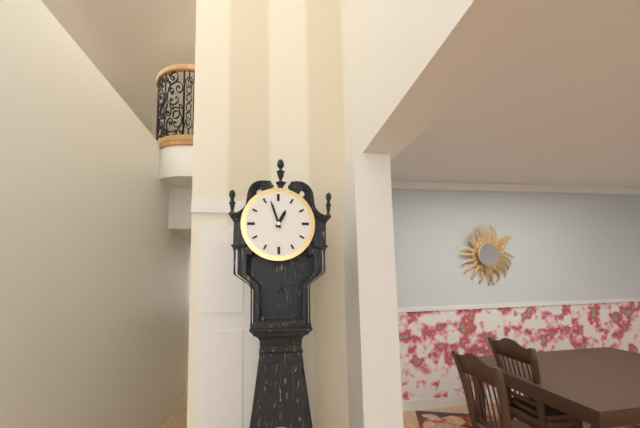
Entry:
12,57
